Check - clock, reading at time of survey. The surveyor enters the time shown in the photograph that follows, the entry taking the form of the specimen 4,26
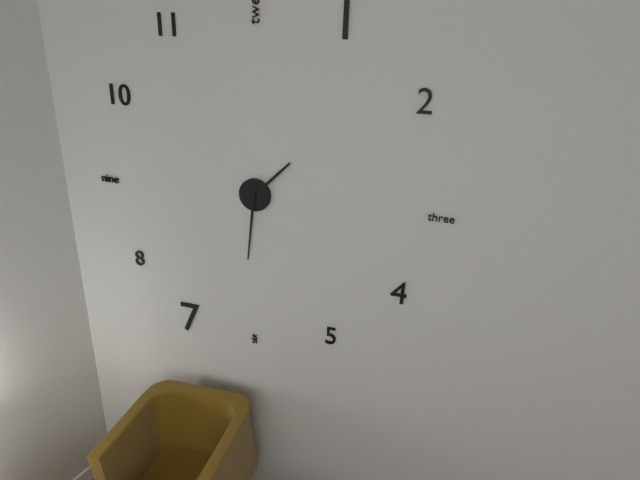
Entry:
1,31
